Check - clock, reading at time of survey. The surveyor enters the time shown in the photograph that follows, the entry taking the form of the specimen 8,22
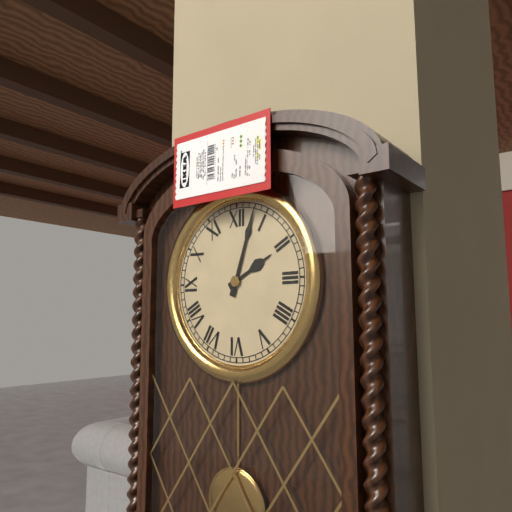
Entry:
2,03
